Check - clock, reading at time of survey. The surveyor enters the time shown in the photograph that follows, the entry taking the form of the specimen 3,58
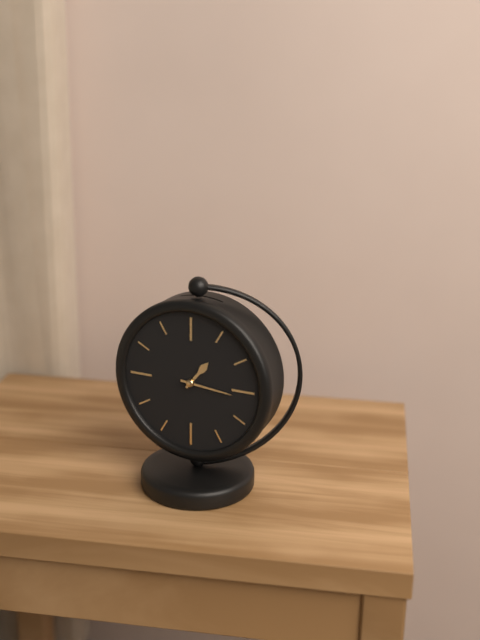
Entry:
1,16
